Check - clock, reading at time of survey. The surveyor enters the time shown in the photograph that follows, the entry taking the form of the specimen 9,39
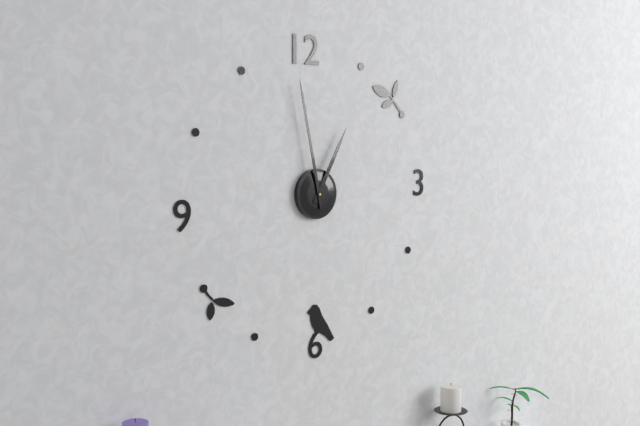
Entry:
12,58
